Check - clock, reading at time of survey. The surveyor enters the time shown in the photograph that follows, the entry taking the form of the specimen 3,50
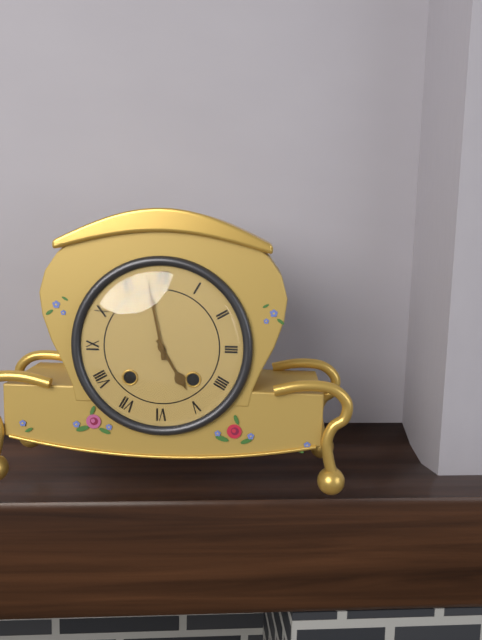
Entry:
4,58
